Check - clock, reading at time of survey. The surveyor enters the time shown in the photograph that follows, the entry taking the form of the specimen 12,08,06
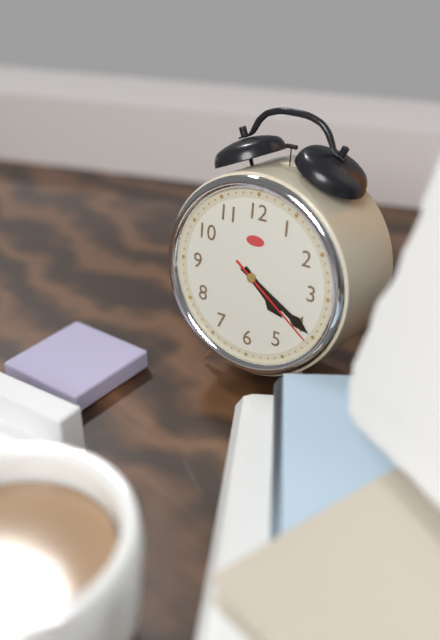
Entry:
4,20,21
